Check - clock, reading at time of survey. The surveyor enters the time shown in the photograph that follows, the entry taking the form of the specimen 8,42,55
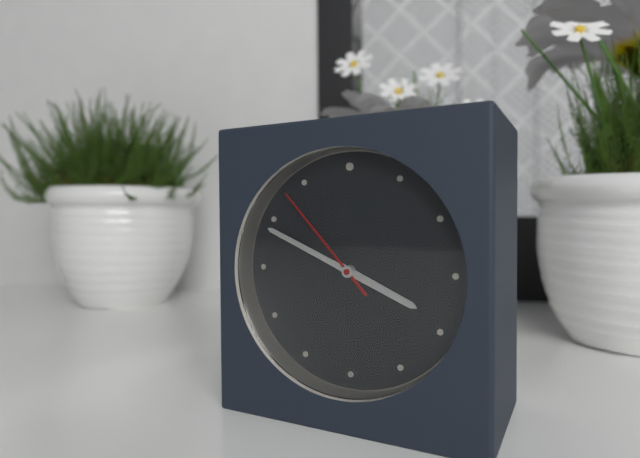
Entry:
3,49,53
